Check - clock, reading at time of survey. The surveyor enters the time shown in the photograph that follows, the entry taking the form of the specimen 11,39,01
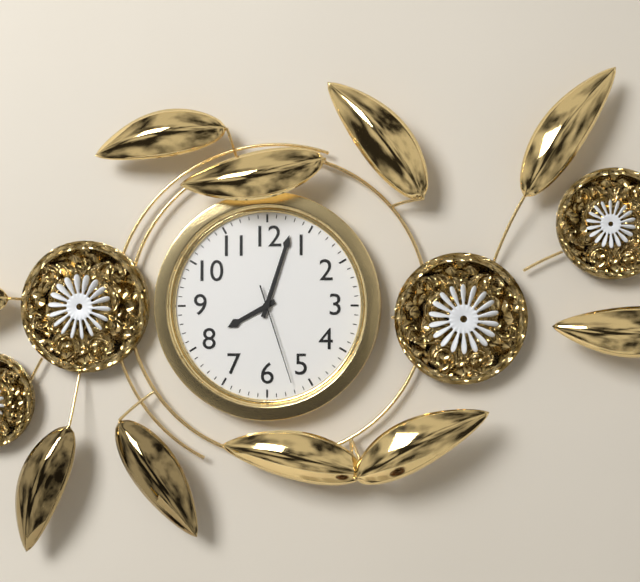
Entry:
8,03,27
